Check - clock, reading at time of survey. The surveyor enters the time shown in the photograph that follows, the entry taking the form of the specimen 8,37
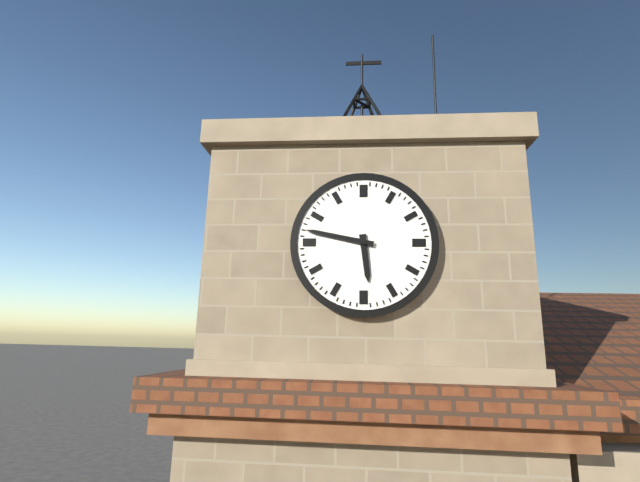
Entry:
5,47
